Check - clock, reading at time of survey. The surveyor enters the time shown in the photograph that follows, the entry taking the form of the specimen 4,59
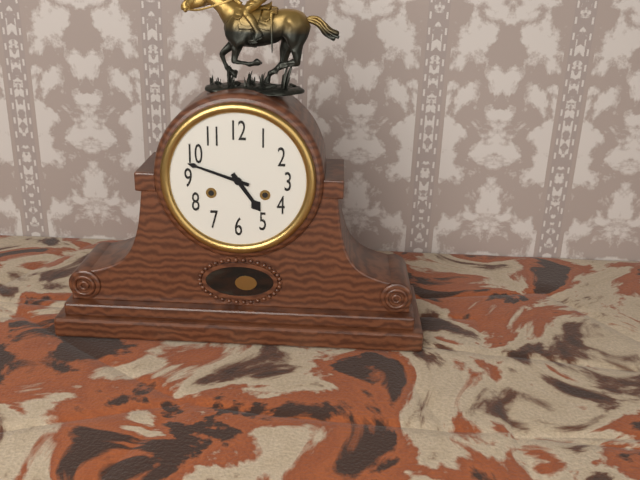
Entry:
4,48
